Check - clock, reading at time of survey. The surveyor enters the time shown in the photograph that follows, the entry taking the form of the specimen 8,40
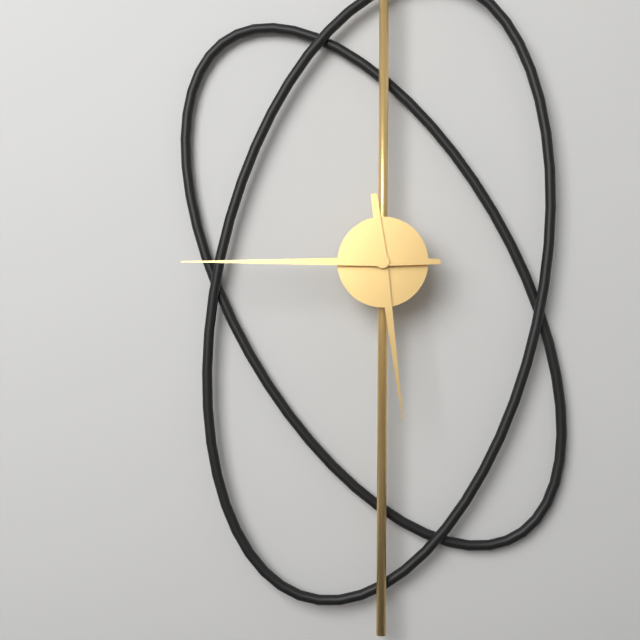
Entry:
5,45
